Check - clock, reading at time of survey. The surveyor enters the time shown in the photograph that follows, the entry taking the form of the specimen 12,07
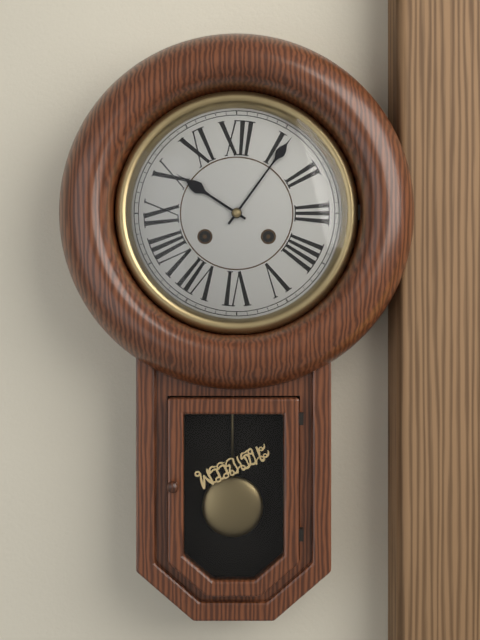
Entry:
10,06
